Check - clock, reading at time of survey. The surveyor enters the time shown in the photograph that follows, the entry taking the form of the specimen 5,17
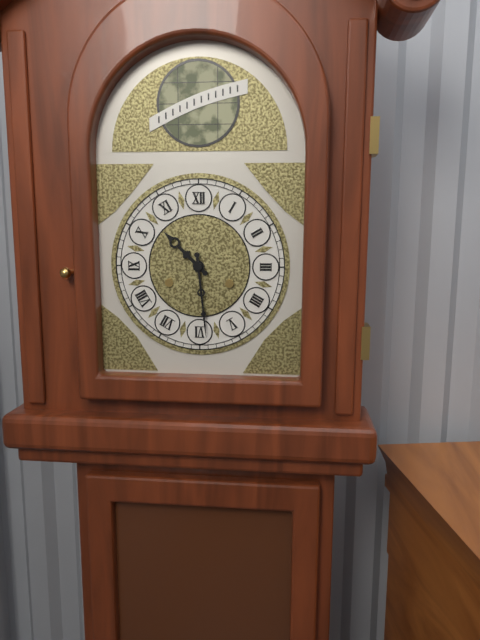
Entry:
10,29
